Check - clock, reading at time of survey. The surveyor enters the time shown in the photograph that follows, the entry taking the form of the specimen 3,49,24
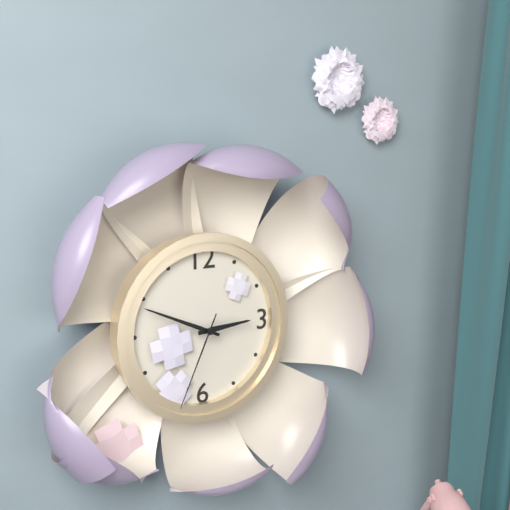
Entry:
2,49,34
